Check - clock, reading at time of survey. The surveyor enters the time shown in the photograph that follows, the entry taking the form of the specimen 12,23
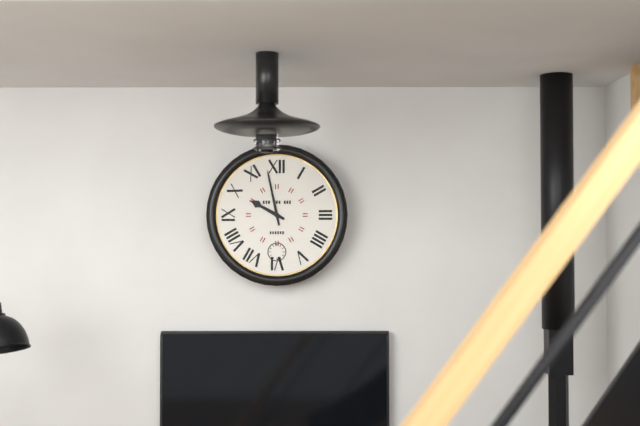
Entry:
9,58
